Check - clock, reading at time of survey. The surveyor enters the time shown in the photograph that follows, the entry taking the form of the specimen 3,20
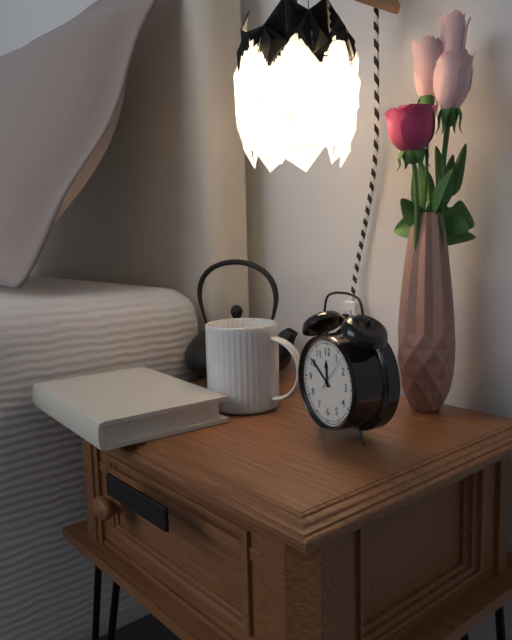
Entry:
11,51
